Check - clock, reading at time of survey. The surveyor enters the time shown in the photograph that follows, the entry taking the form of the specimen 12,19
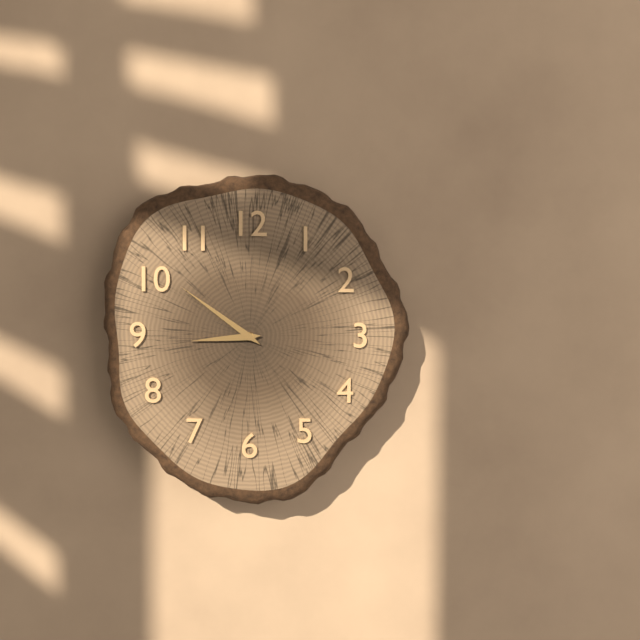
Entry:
8,51
